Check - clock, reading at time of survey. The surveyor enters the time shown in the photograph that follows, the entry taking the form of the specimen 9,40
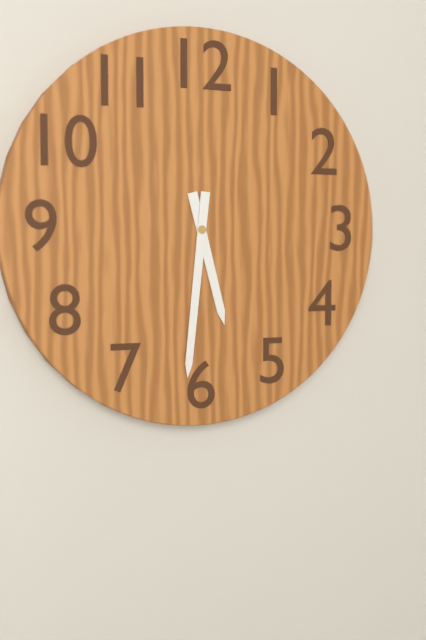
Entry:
5,31
